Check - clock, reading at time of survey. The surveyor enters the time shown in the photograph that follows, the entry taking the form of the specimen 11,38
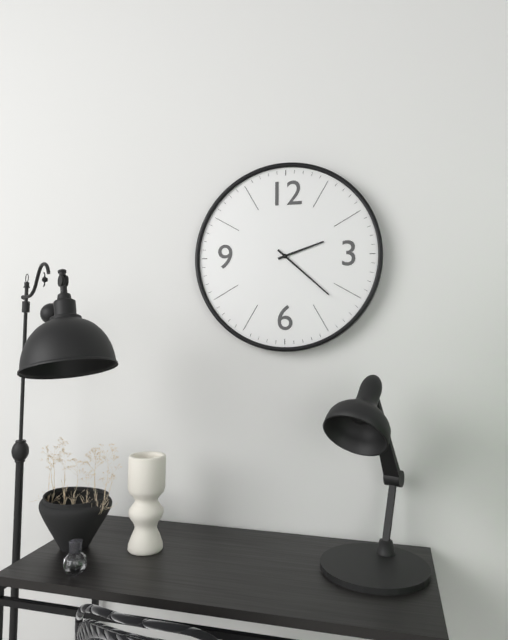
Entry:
2,22
